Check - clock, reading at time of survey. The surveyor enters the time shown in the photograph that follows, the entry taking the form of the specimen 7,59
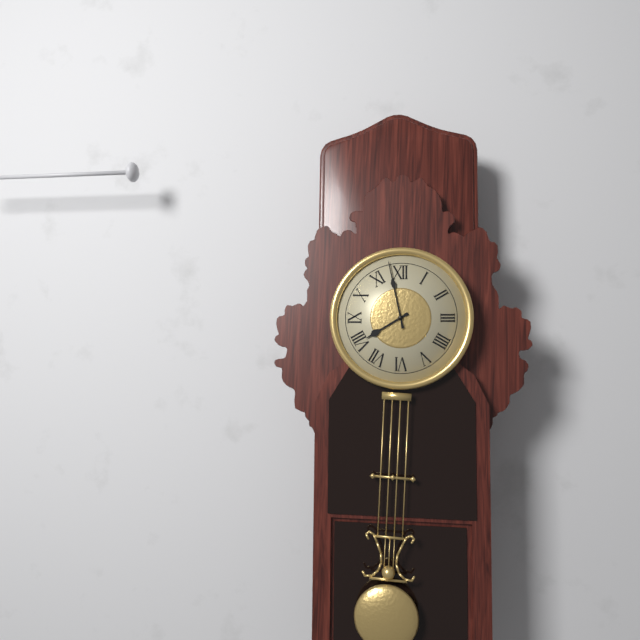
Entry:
7,58
